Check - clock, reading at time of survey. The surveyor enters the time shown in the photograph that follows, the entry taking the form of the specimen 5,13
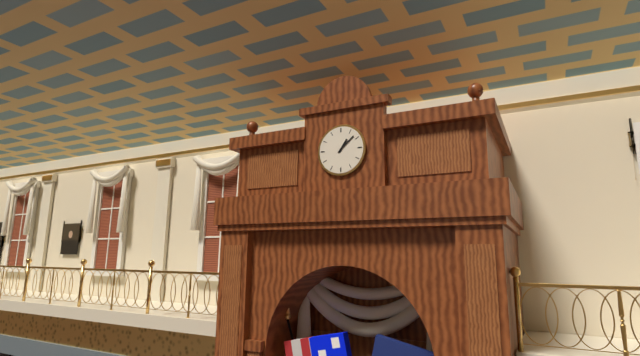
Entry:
1,08
